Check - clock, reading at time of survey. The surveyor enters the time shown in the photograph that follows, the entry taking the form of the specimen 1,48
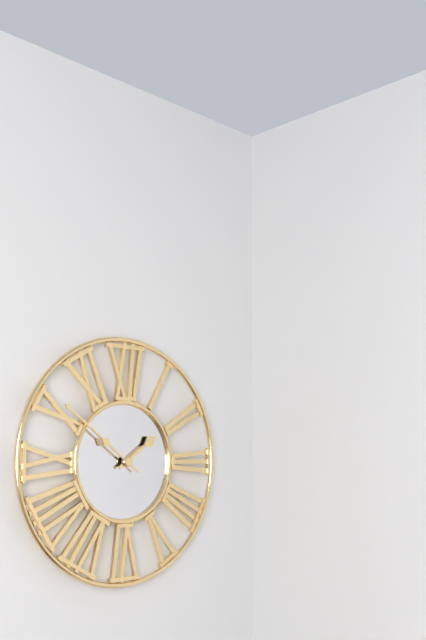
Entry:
1,51
